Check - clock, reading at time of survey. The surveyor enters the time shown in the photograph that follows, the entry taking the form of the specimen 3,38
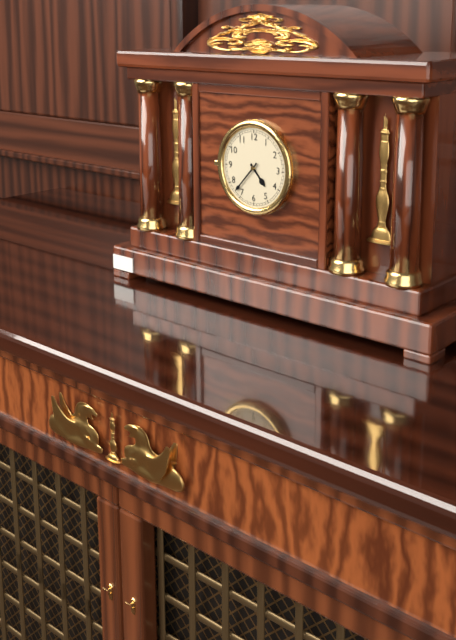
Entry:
4,37
